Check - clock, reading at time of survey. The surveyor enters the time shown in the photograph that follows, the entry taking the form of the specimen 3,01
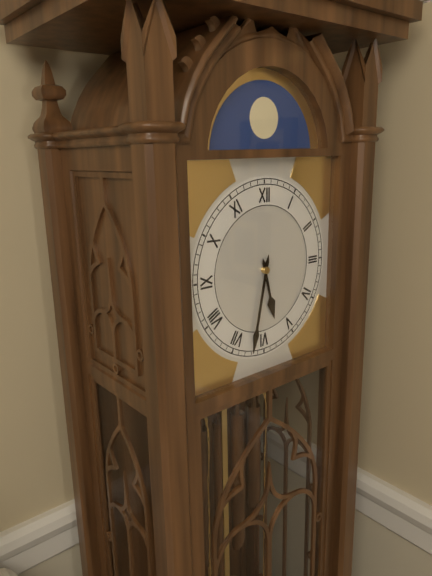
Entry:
5,32
